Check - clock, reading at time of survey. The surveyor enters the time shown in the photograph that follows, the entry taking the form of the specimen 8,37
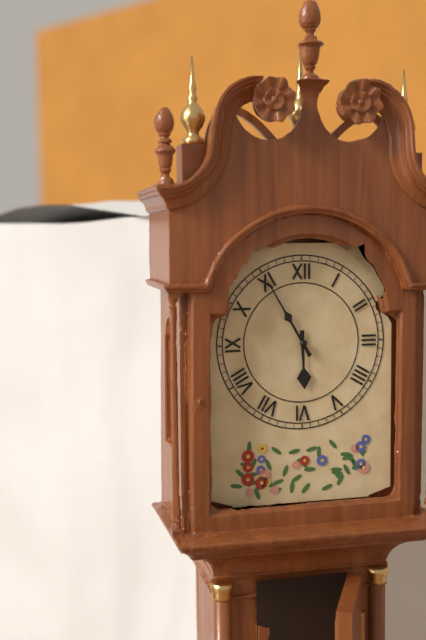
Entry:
5,55
